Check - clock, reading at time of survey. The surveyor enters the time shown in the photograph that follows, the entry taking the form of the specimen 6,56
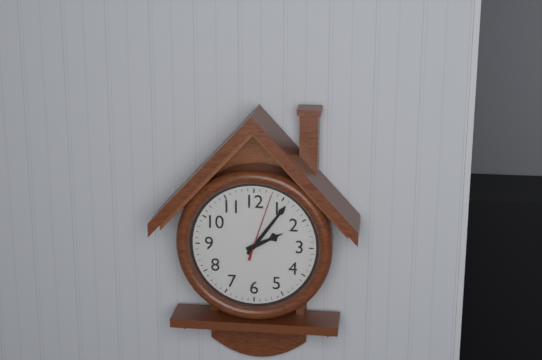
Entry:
2,06
